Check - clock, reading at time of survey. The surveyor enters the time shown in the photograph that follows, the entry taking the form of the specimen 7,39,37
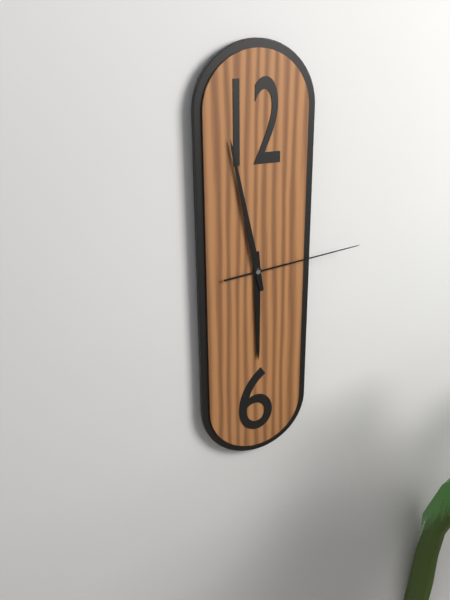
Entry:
5,58,14
